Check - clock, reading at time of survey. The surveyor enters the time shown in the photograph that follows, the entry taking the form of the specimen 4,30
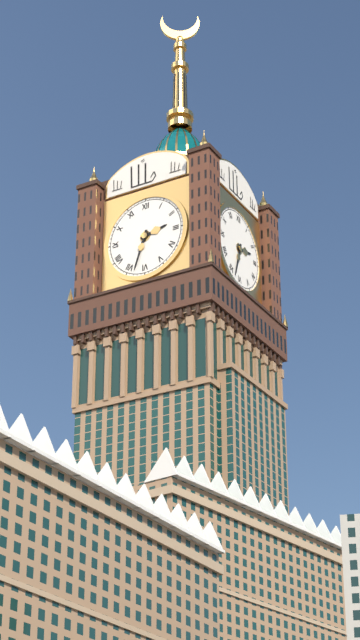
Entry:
2,33
